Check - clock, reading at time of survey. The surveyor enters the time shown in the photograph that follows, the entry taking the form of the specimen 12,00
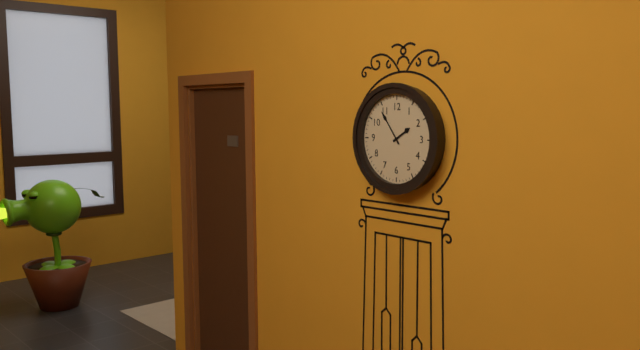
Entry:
1,54
